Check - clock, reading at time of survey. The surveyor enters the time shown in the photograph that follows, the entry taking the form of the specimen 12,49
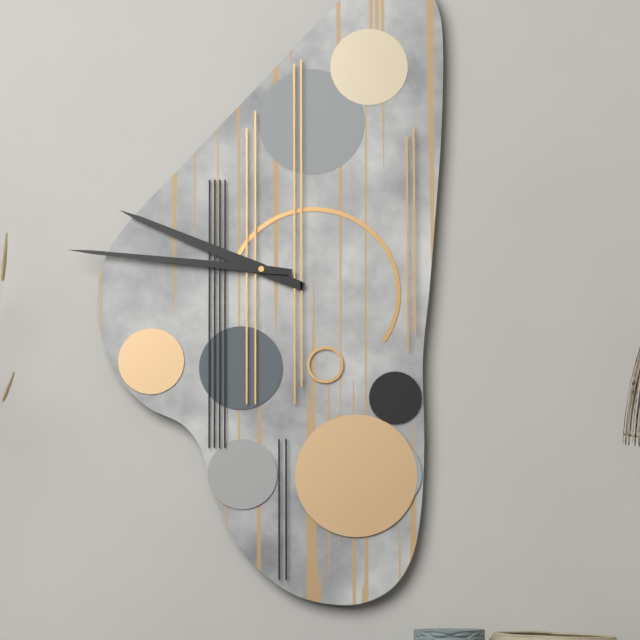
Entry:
9,46
